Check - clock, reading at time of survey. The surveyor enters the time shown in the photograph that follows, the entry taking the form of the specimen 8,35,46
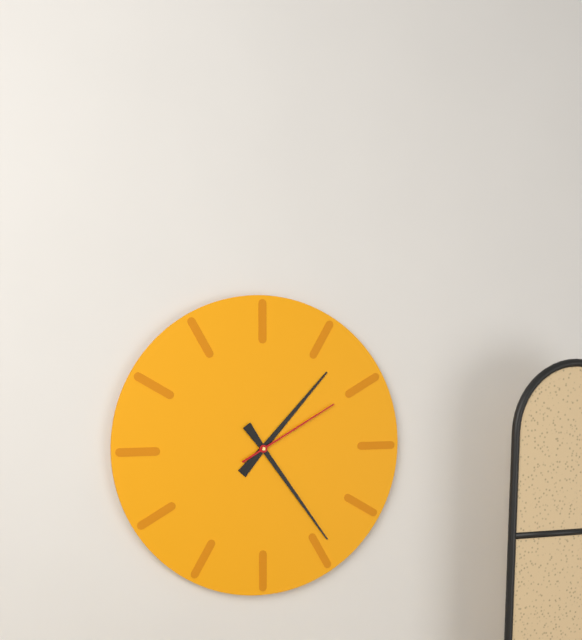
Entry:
1,24,10
